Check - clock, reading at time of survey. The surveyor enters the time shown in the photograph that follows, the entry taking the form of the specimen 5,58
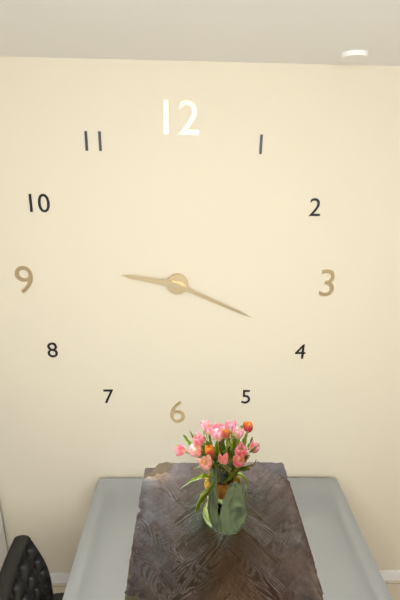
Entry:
9,19
